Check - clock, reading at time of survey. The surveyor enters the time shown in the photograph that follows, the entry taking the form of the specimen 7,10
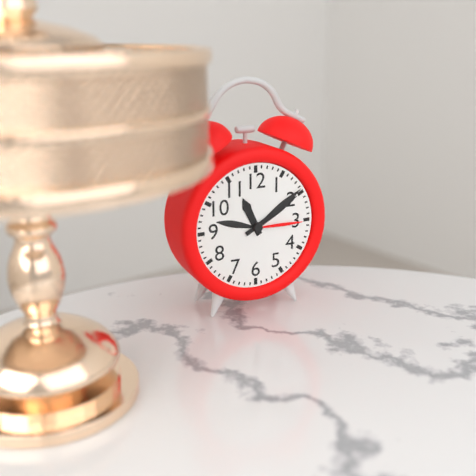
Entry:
11,10
